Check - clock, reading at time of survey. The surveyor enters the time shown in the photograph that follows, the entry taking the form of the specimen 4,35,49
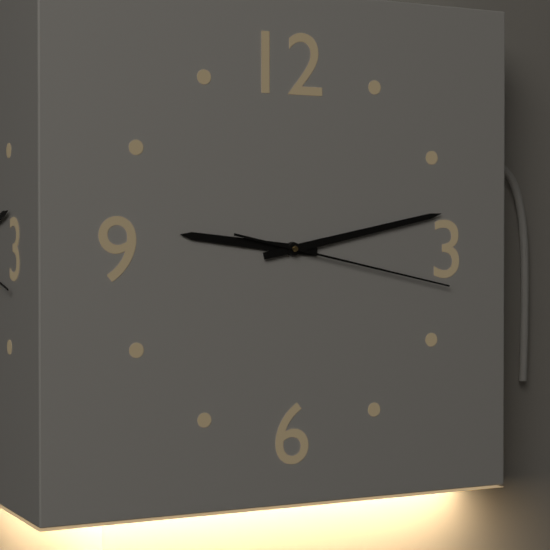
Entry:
9,13,17
